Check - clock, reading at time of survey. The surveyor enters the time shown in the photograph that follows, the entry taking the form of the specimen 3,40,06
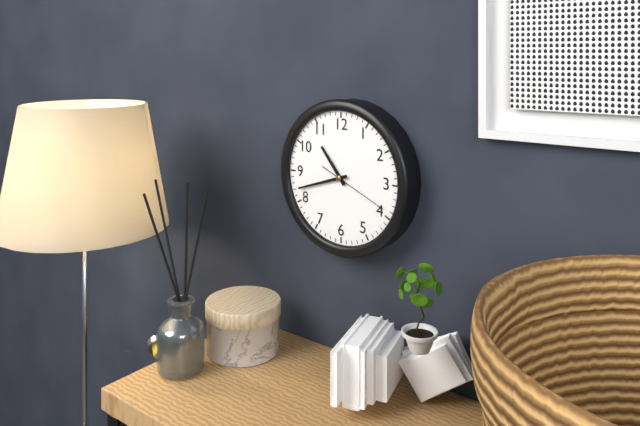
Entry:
10,42,19
